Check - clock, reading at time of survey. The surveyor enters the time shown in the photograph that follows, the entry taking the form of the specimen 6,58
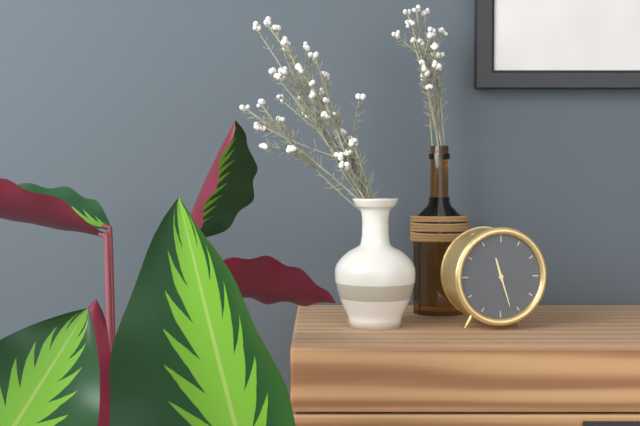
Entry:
11,27
